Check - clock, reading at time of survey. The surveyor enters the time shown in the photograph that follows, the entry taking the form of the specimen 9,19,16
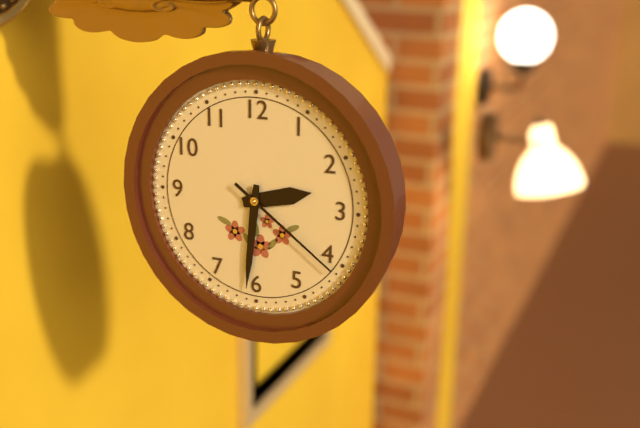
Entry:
2,31,21
